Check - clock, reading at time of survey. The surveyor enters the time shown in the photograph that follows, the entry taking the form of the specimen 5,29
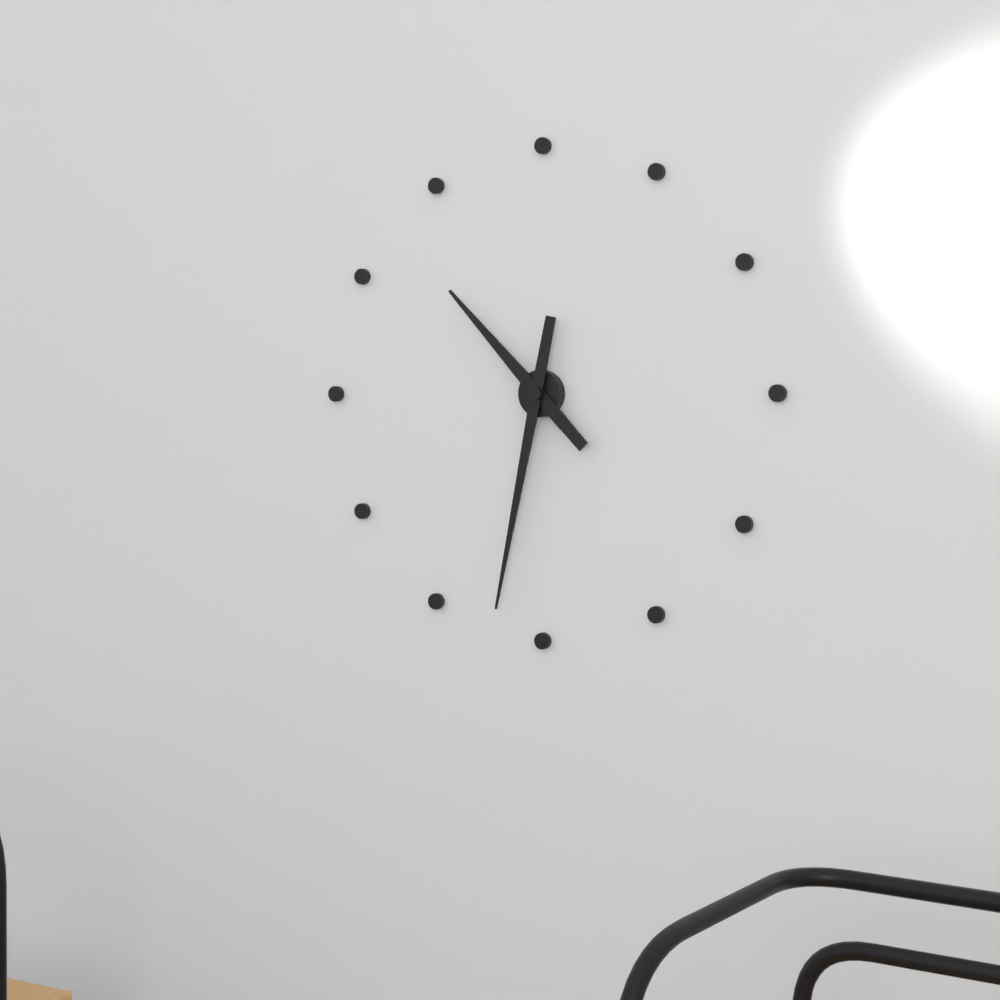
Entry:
10,32
